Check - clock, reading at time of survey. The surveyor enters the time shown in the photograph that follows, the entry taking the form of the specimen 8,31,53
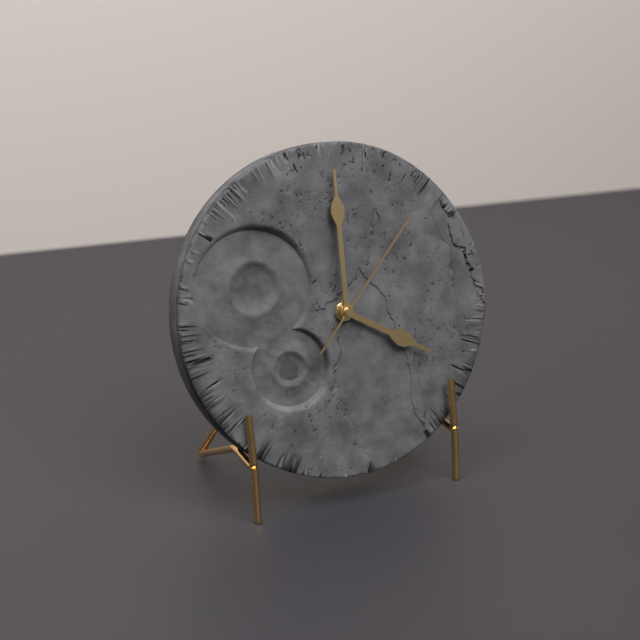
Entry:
4,00,07
